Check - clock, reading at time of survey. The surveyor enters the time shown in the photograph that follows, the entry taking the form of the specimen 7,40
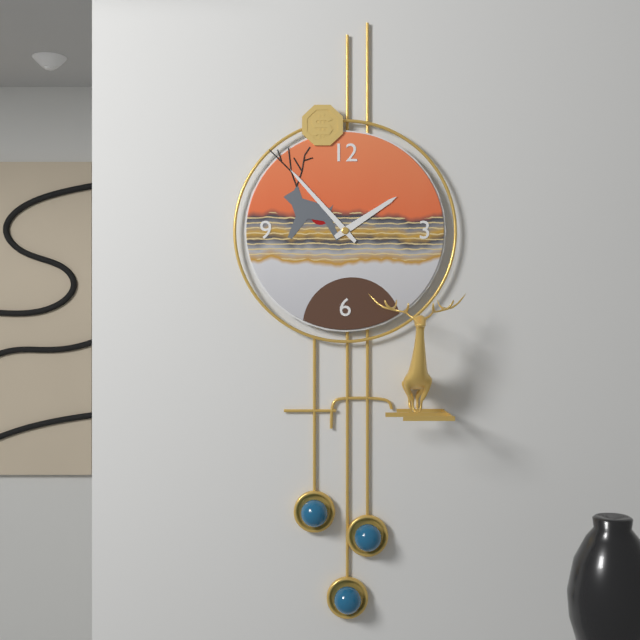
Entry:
1,53
